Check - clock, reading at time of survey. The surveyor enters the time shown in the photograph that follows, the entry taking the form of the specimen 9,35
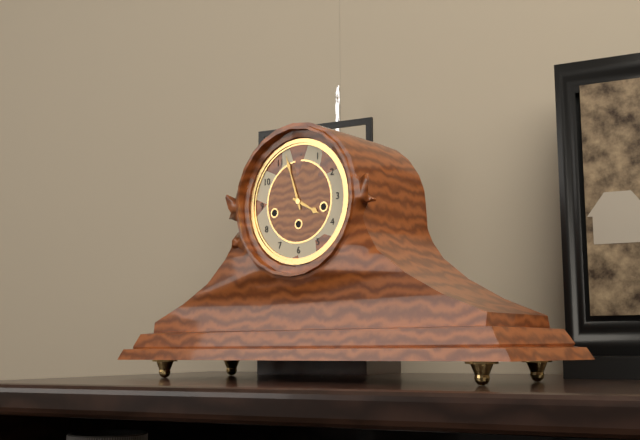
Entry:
3,57
